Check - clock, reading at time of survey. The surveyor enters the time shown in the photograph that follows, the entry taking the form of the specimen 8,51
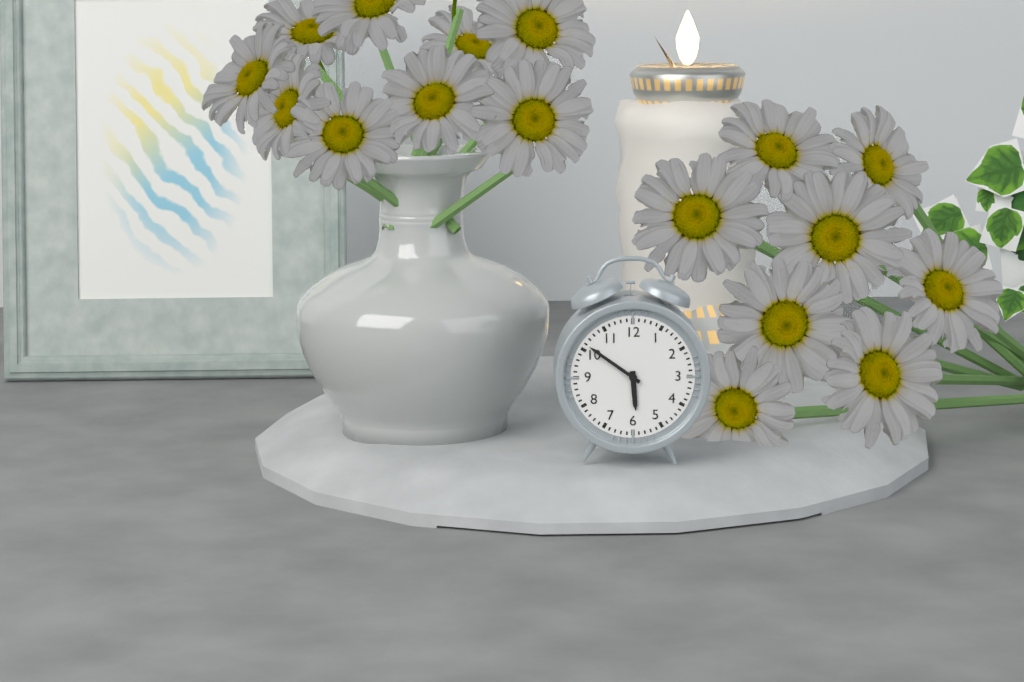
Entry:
5,51
